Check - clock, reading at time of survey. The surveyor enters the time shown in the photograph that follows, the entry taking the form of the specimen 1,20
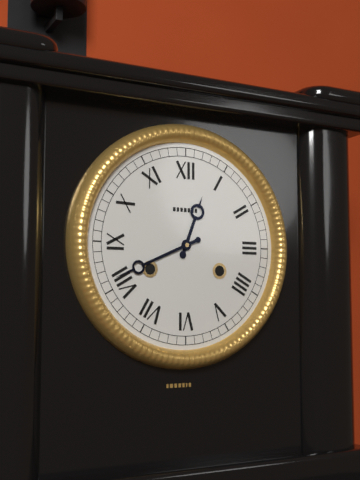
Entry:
12,41
